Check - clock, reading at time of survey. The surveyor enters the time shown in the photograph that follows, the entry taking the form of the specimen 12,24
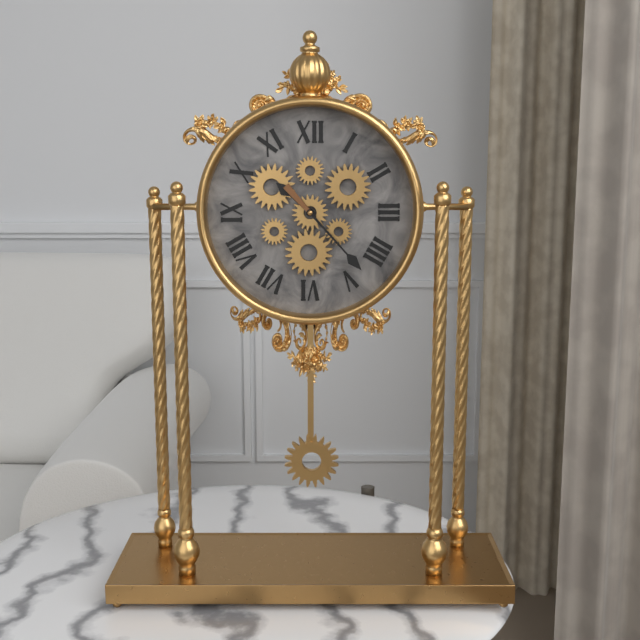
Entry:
10,23
